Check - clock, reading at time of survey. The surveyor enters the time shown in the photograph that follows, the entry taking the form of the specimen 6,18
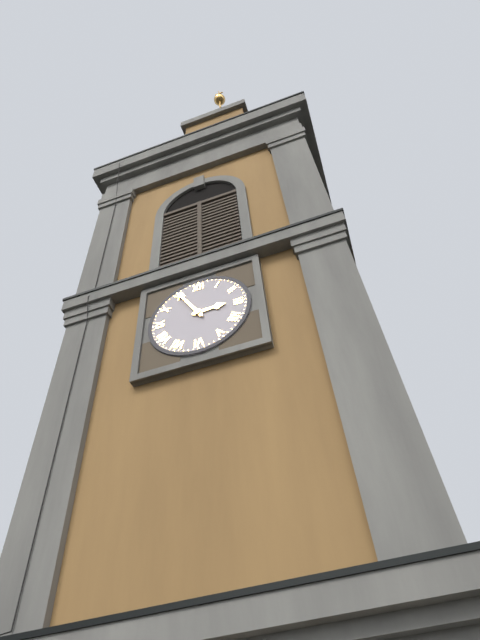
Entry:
2,55
